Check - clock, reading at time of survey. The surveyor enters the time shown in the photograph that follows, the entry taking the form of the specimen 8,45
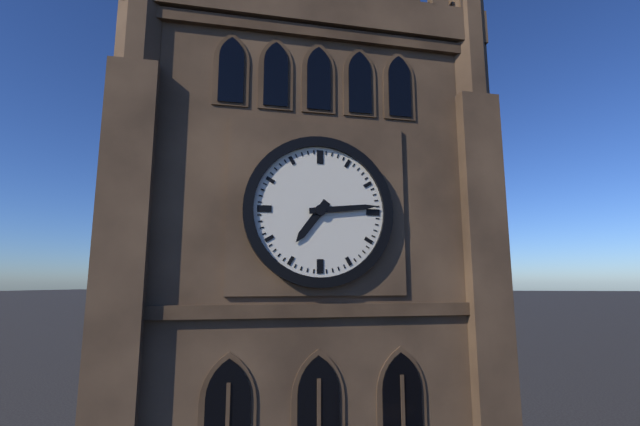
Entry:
7,14
